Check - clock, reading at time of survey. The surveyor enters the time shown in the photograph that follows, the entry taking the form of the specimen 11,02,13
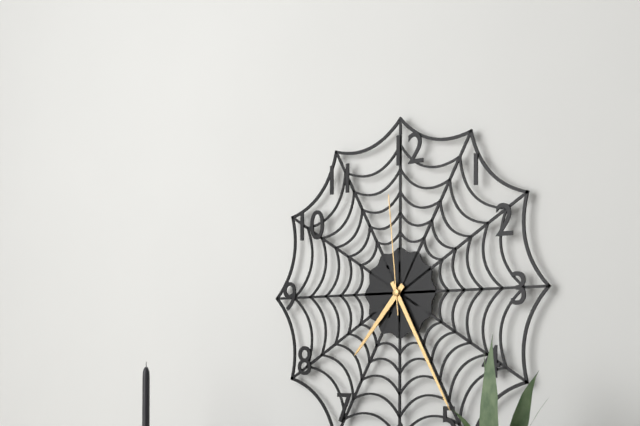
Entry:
7,25,59
